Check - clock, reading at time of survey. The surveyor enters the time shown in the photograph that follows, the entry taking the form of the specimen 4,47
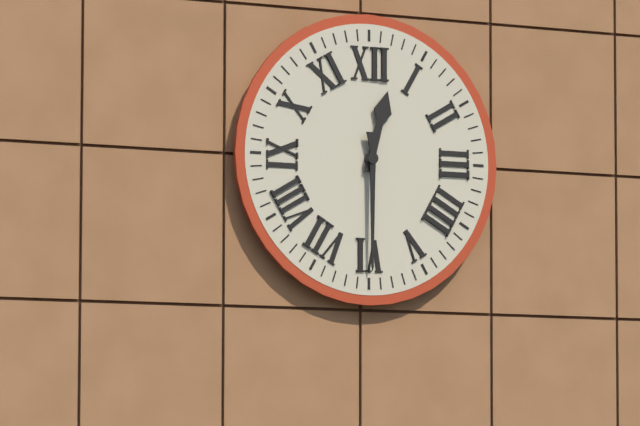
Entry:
12,30
